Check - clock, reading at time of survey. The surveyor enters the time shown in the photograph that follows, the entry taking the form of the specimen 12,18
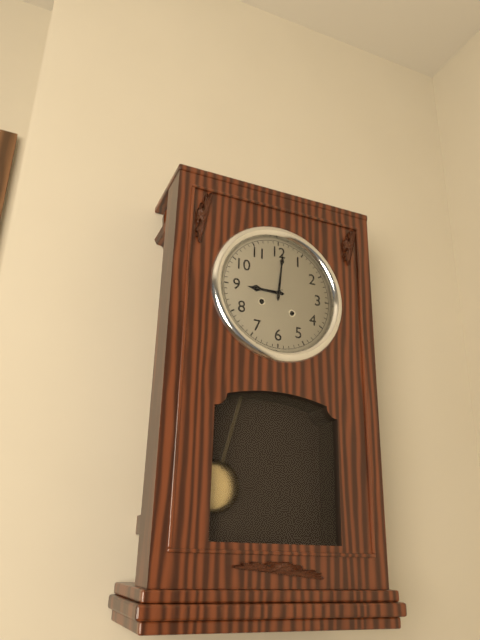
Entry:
9,01
